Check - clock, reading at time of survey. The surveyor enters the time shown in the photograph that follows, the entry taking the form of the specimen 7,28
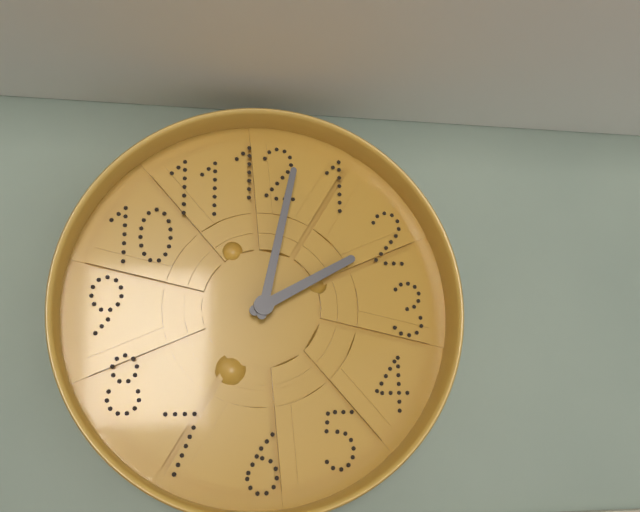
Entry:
2,02
